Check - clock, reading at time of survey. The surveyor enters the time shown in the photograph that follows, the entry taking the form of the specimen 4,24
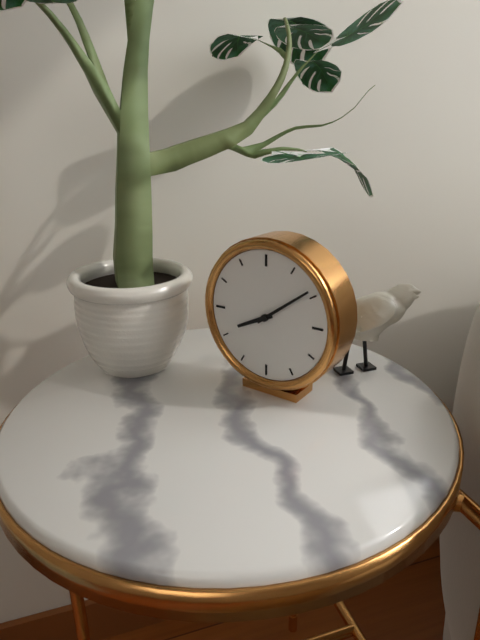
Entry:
8,09
